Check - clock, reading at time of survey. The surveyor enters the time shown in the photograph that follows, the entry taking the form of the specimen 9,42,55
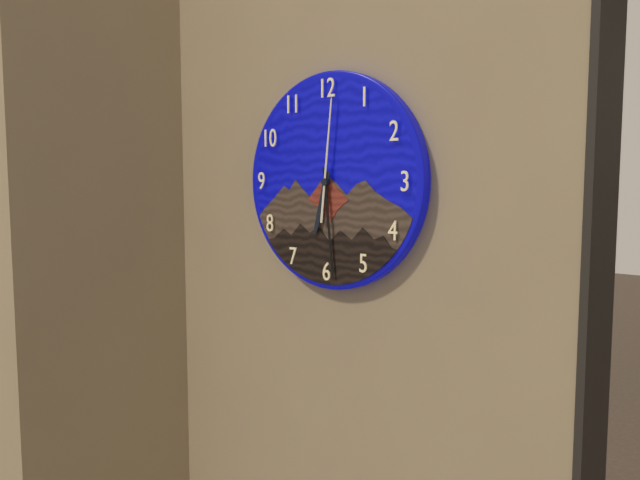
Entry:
6,29,01
